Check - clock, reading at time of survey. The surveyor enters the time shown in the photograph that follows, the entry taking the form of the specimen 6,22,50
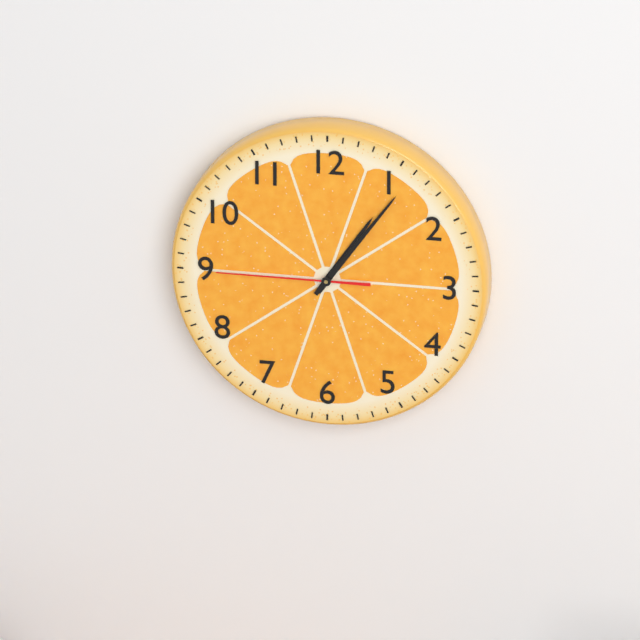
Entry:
1,06,45
